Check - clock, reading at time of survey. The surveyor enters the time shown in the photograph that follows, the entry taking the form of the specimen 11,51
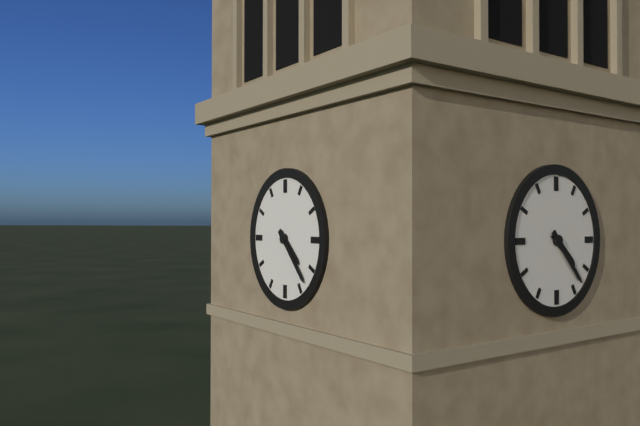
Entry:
4,23
